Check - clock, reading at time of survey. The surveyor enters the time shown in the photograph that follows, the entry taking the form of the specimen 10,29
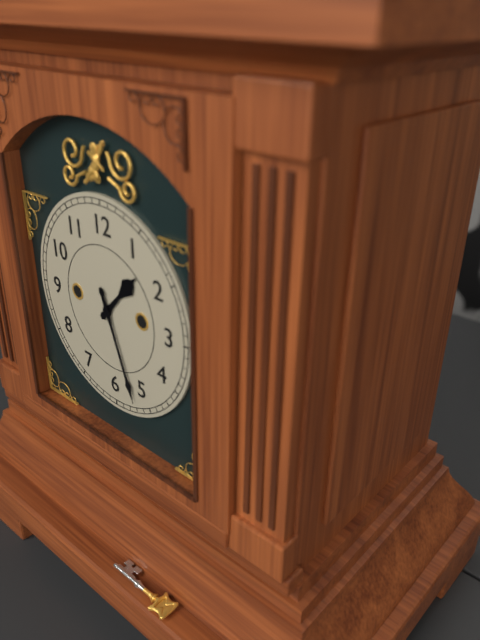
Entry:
1,27
